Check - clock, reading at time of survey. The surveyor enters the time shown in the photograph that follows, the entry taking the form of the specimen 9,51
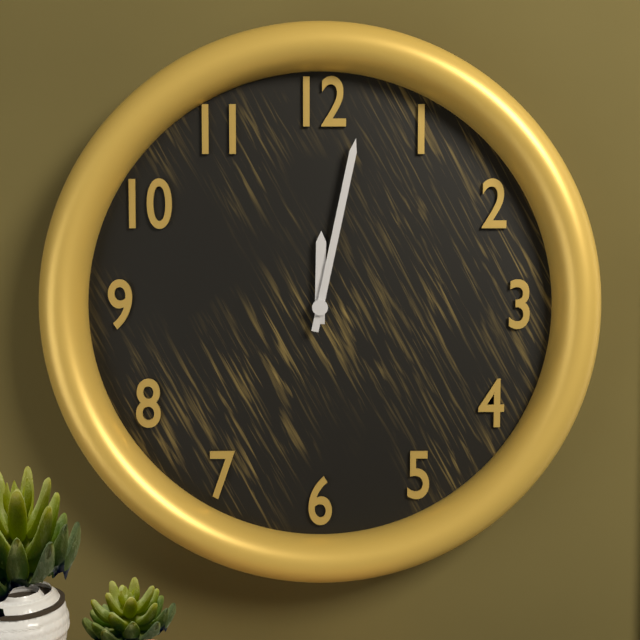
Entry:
12,02
